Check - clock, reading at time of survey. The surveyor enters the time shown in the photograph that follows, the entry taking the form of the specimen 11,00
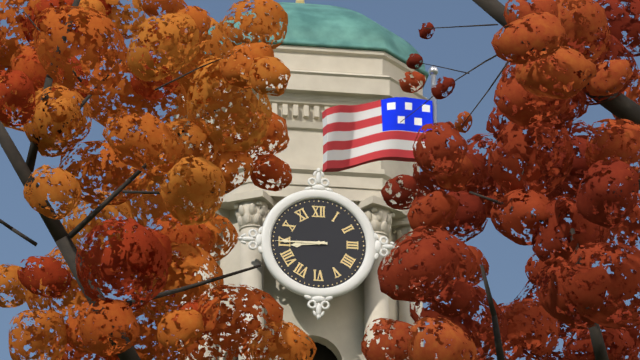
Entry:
8,45
